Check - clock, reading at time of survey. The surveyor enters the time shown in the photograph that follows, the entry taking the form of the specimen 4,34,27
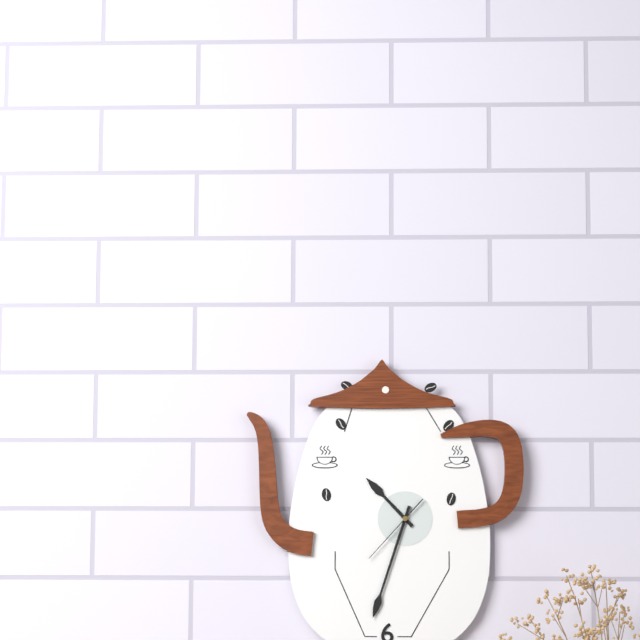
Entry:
10,33,37
